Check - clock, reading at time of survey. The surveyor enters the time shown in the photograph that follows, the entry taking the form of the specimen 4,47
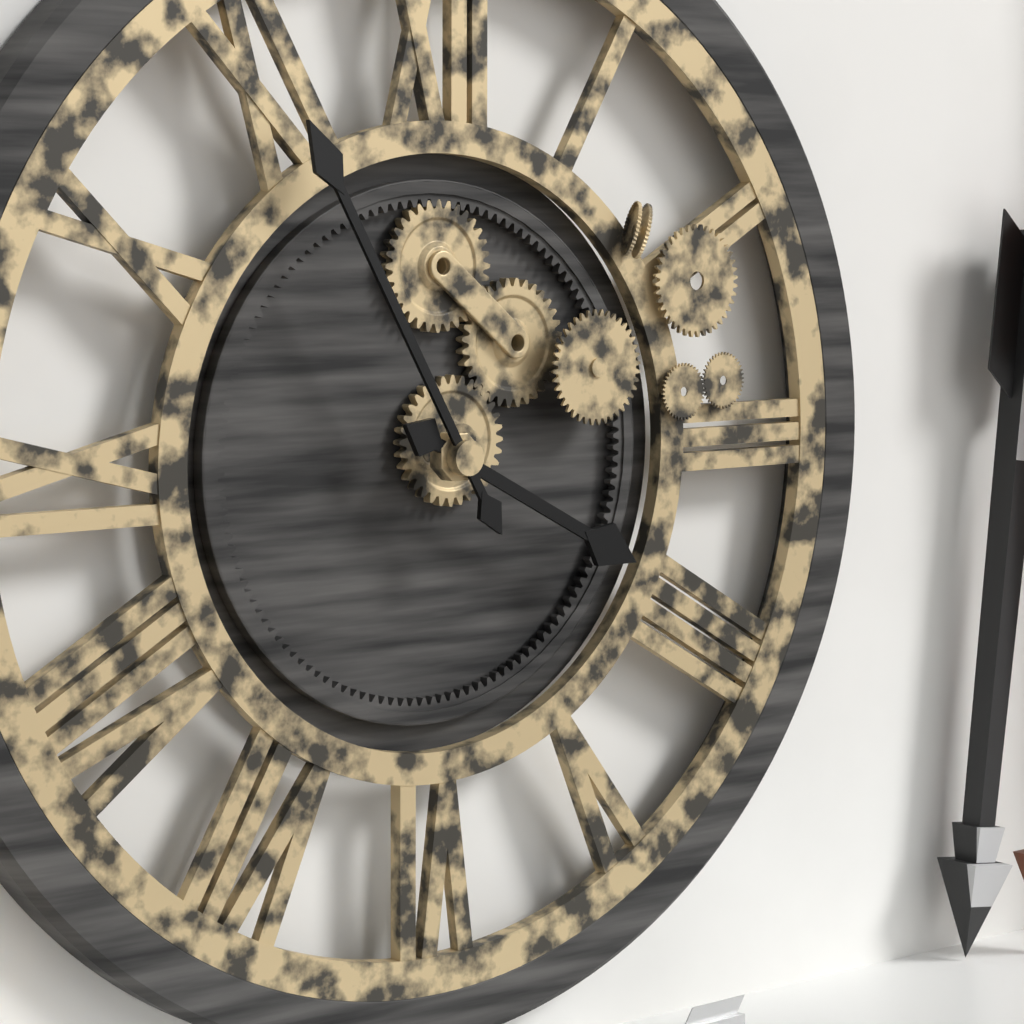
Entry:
3,55
